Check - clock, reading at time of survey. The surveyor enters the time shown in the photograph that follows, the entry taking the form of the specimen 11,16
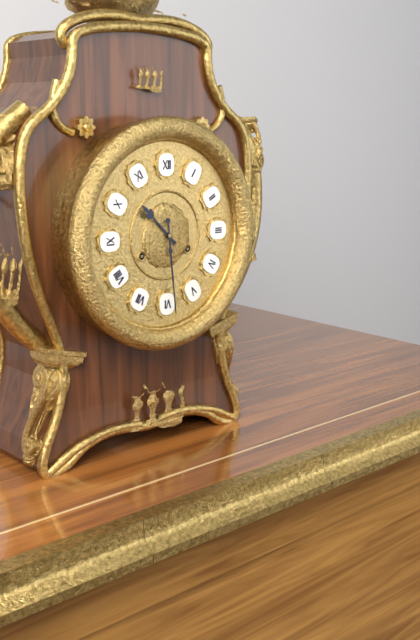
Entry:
10,29
